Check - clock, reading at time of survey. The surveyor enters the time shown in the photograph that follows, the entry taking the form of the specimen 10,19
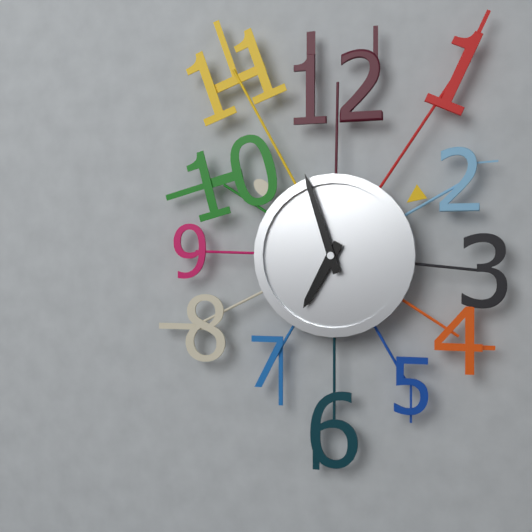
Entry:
6,57
